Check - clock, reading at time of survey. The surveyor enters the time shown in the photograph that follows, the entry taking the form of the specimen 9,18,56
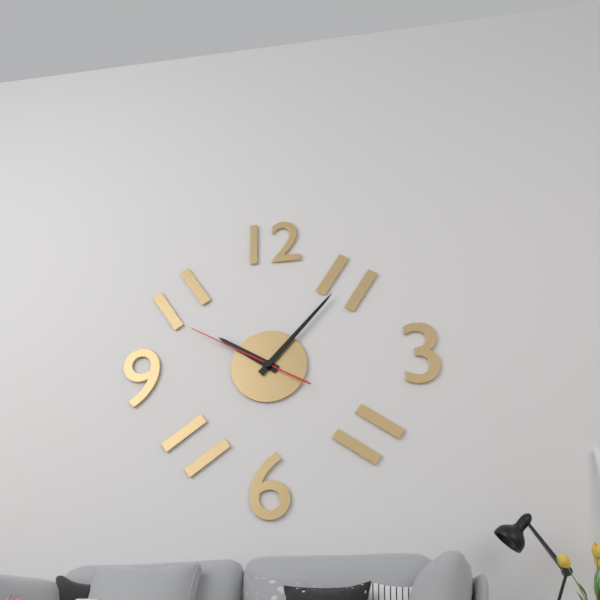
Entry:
10,07,50
